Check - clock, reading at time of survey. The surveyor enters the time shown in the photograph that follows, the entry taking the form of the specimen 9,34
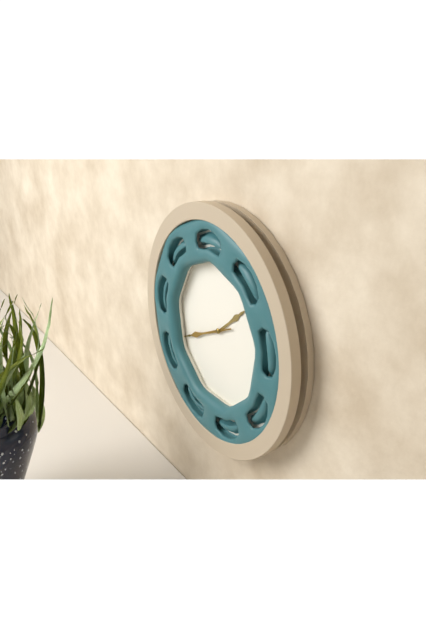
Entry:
1,41
